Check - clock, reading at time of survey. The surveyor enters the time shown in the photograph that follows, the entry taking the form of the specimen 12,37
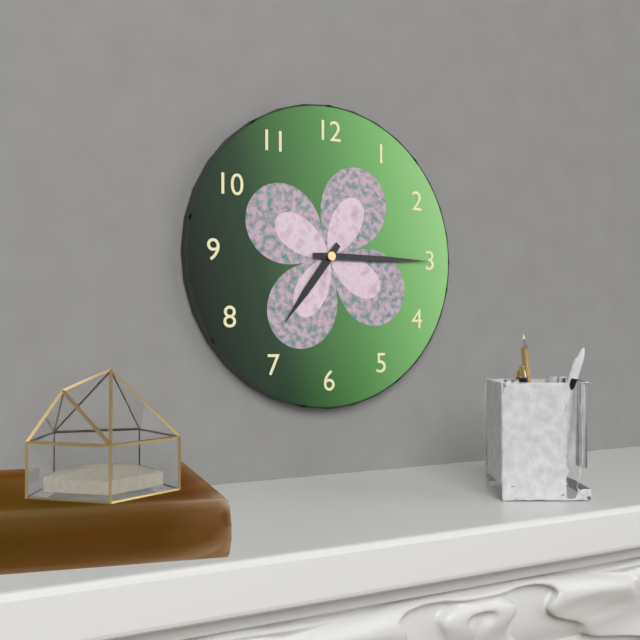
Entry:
7,15
